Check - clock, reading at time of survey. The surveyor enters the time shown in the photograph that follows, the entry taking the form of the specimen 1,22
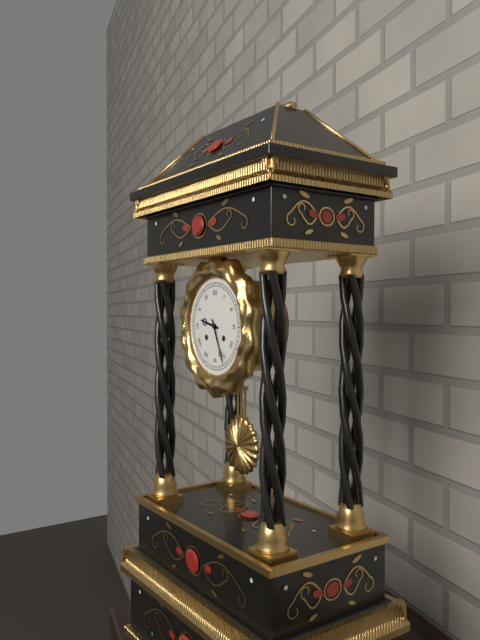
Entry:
9,26
